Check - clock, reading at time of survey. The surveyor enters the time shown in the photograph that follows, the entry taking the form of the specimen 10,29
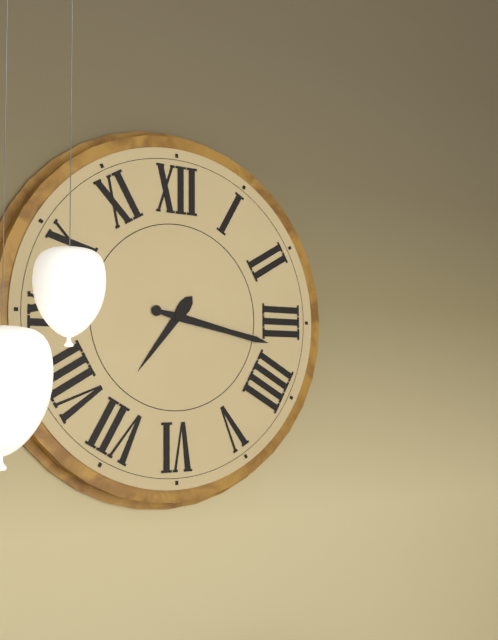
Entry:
7,17
